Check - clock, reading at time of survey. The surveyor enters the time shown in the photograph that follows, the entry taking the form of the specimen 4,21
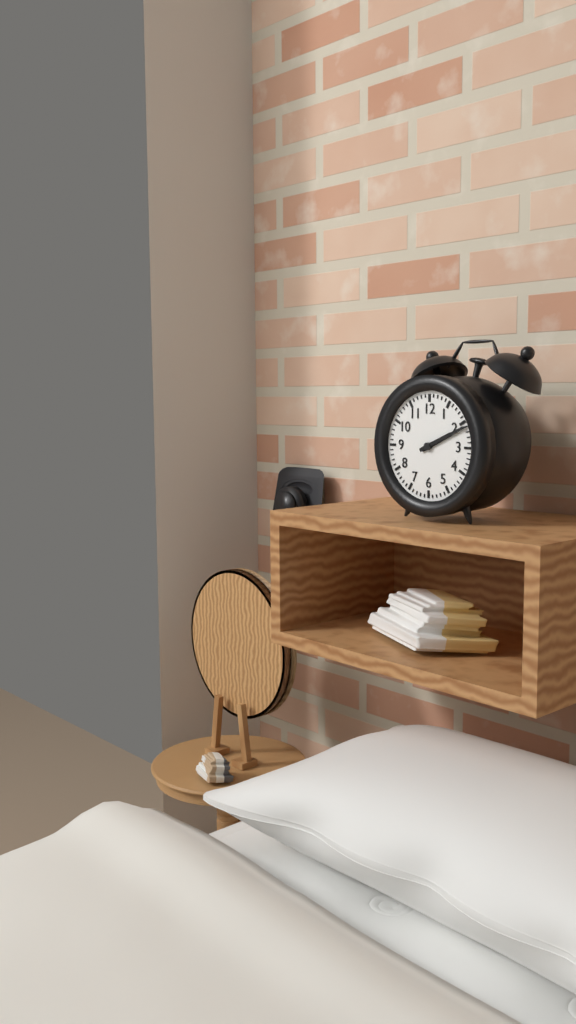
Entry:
2,11
